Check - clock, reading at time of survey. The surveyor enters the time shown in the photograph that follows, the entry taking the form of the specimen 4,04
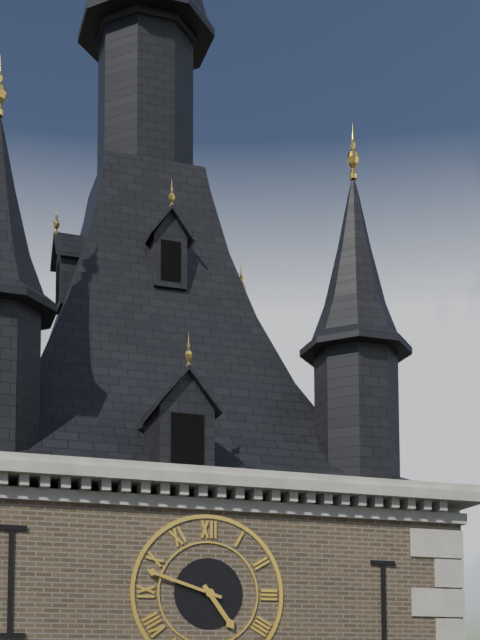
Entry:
4,48
